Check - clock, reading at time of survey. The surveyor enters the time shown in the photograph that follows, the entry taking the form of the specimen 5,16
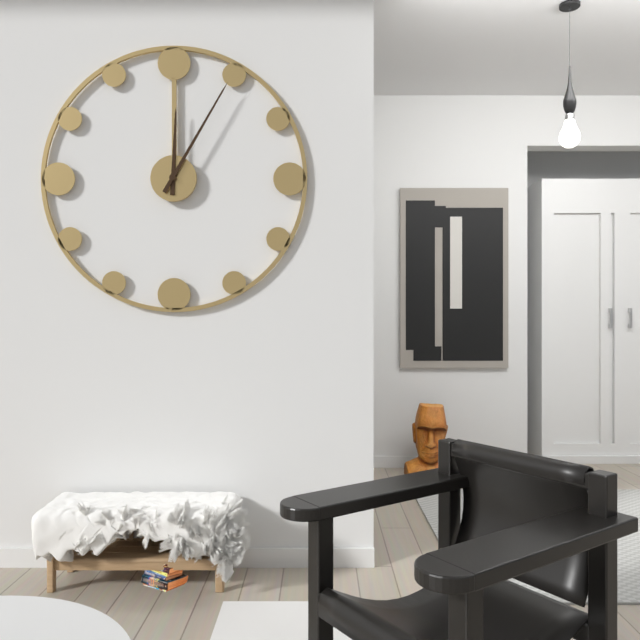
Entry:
12,05
